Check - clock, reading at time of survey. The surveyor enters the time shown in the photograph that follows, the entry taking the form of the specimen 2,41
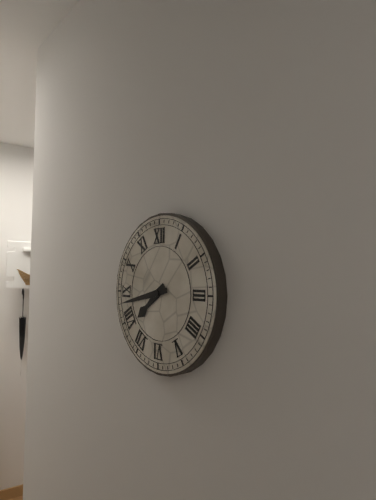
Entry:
7,43
